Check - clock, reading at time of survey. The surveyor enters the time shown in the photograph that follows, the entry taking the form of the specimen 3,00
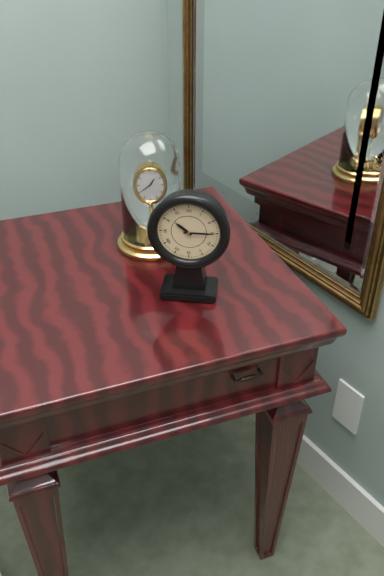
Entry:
10,15
